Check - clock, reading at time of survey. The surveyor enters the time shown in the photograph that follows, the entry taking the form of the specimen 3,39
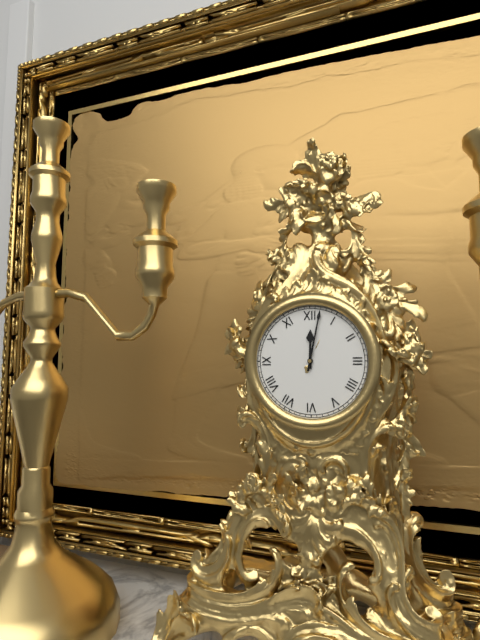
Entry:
12,02
